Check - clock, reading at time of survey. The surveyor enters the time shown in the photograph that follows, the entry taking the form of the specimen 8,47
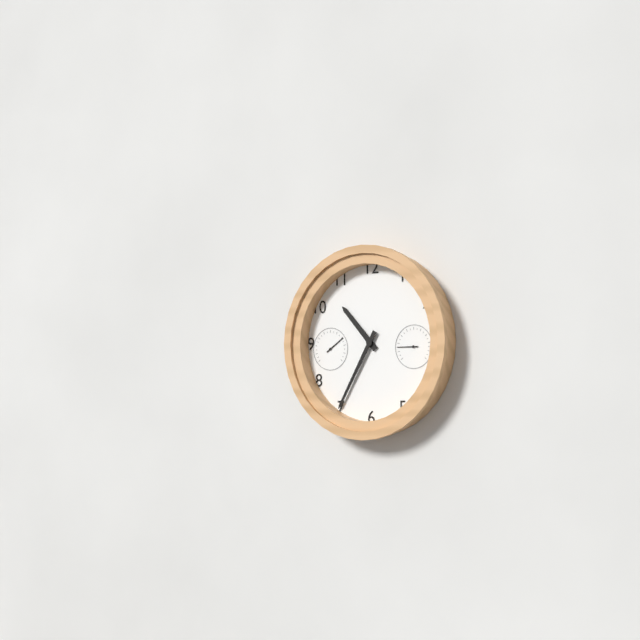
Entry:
10,35
